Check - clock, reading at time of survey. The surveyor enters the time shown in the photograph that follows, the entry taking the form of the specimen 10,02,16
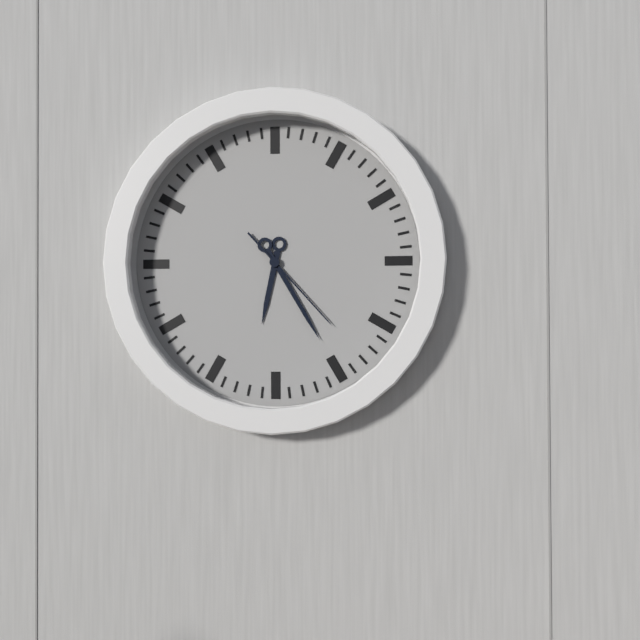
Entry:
6,25,23
